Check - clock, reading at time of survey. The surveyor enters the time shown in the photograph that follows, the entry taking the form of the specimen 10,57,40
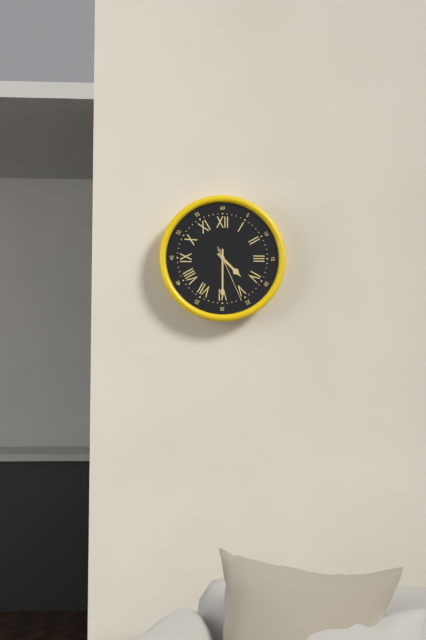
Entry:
4,30,26
